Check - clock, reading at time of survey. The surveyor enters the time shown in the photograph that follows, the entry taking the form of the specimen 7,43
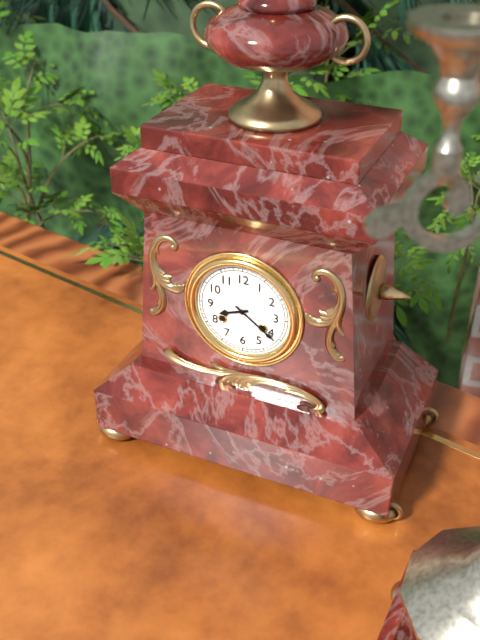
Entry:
8,21
